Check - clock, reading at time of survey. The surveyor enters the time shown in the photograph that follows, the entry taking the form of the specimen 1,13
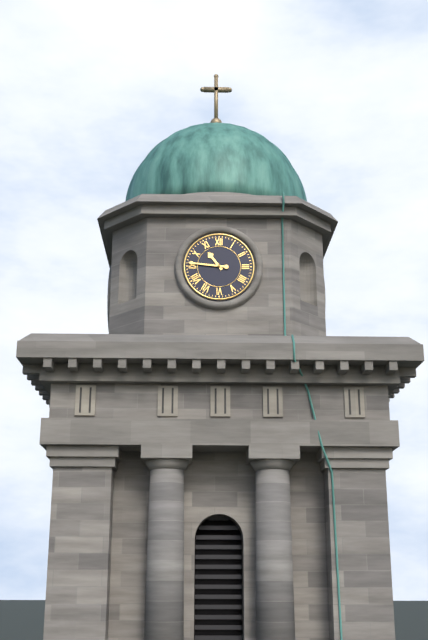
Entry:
10,46
